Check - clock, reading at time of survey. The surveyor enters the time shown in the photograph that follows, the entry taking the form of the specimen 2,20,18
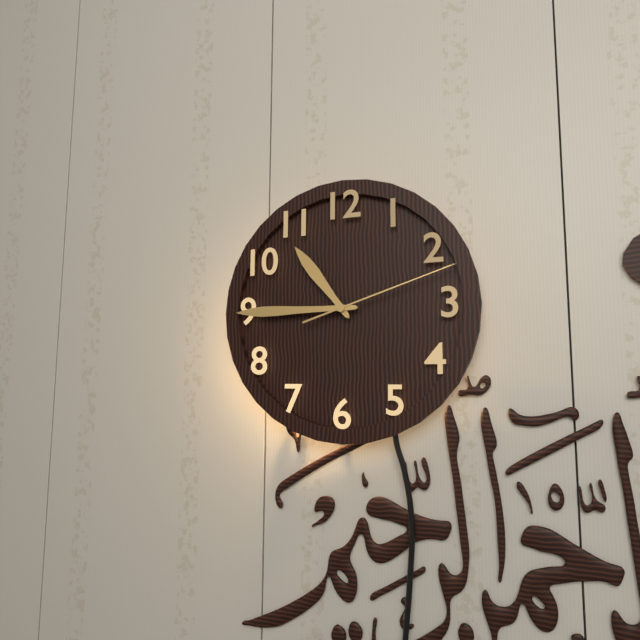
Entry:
10,45,12
